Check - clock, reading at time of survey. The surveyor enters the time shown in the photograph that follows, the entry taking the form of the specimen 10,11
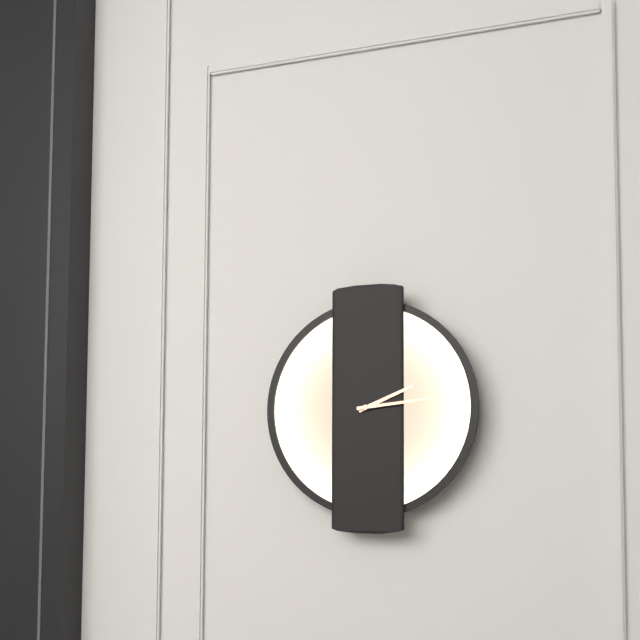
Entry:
2,14
